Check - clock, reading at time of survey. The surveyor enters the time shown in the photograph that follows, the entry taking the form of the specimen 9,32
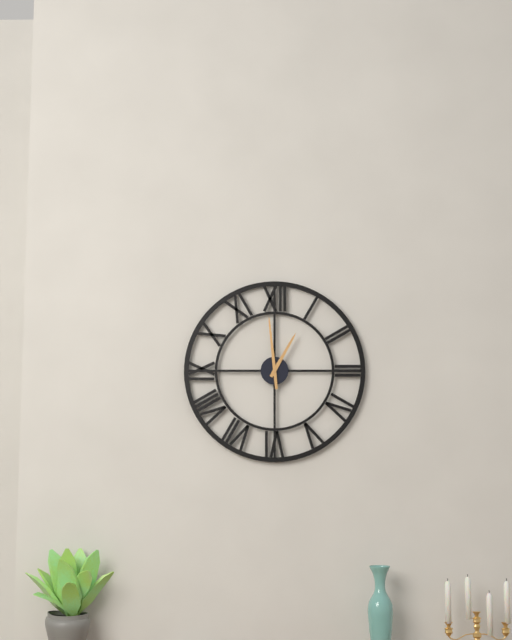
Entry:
12,59
